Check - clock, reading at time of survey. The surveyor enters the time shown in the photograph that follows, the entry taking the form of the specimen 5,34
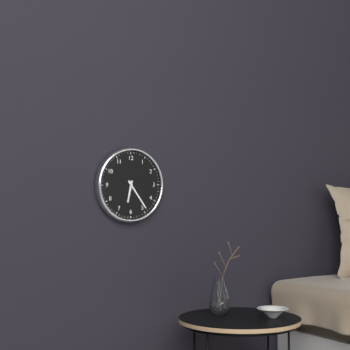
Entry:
6,24
